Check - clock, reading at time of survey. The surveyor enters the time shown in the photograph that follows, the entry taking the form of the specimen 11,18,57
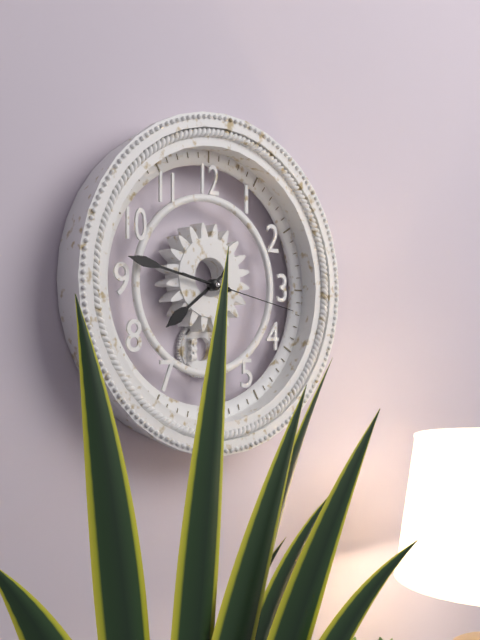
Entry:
7,47,17
